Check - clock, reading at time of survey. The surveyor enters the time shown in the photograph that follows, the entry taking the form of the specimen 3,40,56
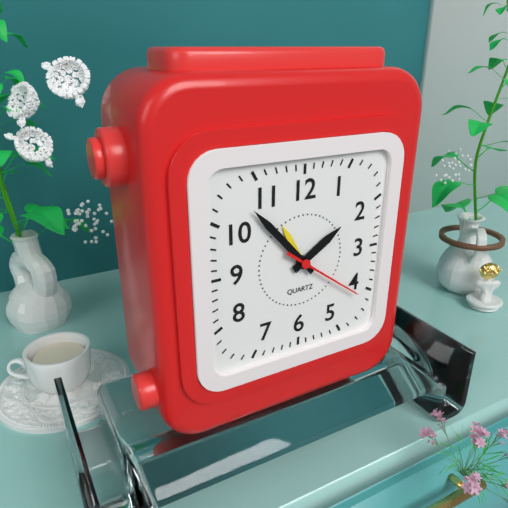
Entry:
1,53,21
